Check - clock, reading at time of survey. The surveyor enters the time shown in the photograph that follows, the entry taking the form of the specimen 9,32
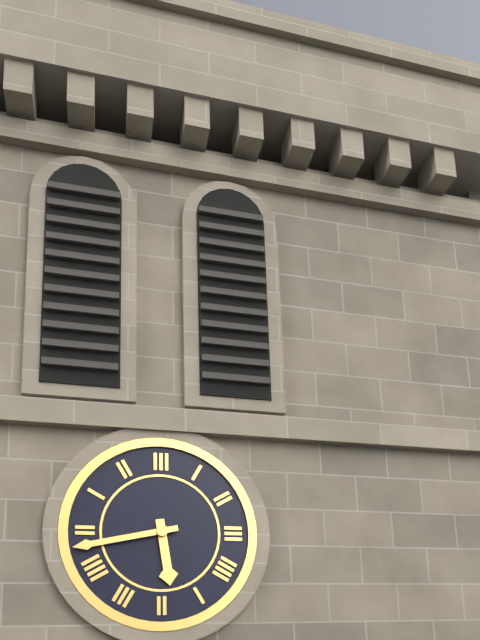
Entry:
5,43
